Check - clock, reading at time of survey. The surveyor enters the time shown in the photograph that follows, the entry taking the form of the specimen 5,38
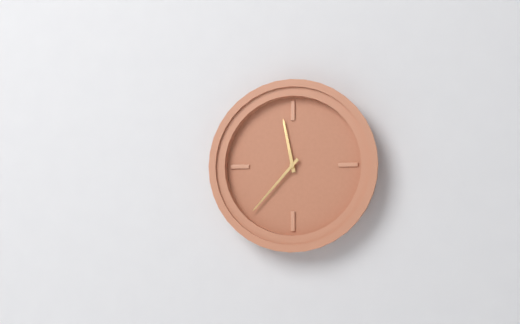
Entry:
11,37
